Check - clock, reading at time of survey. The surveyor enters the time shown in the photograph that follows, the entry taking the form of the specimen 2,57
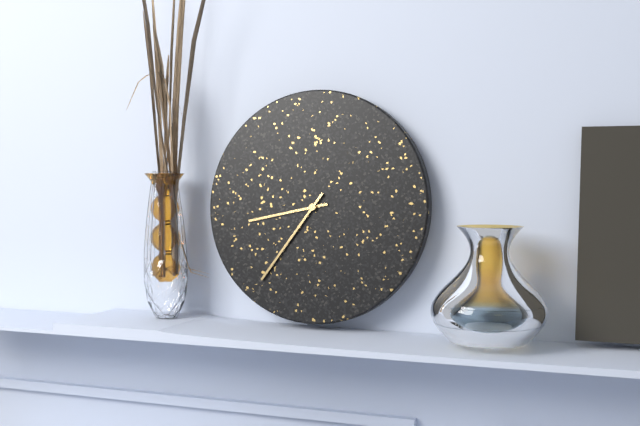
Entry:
8,36
